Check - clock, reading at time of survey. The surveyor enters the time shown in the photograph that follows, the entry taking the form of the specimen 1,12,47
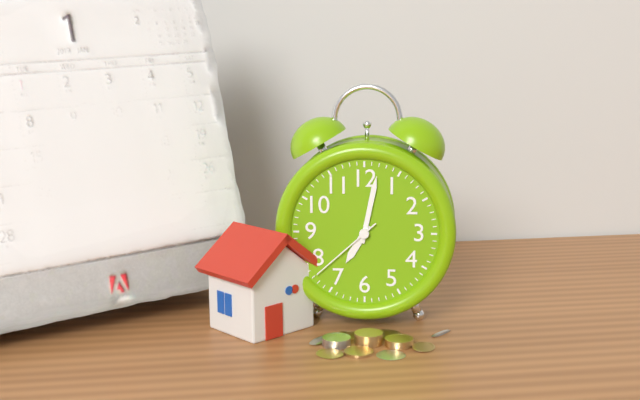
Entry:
7,02,38
